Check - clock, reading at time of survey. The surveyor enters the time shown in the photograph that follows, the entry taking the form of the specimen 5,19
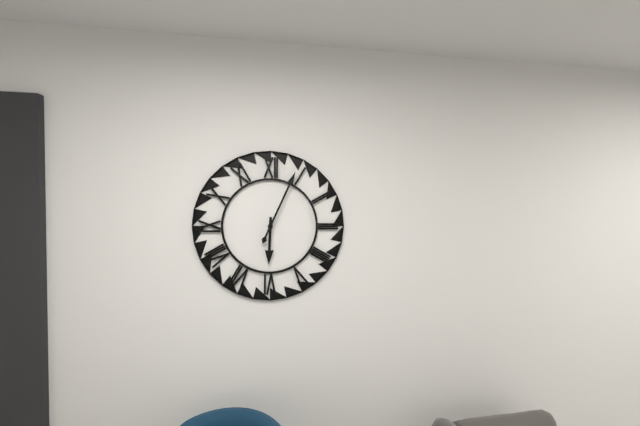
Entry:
6,04
